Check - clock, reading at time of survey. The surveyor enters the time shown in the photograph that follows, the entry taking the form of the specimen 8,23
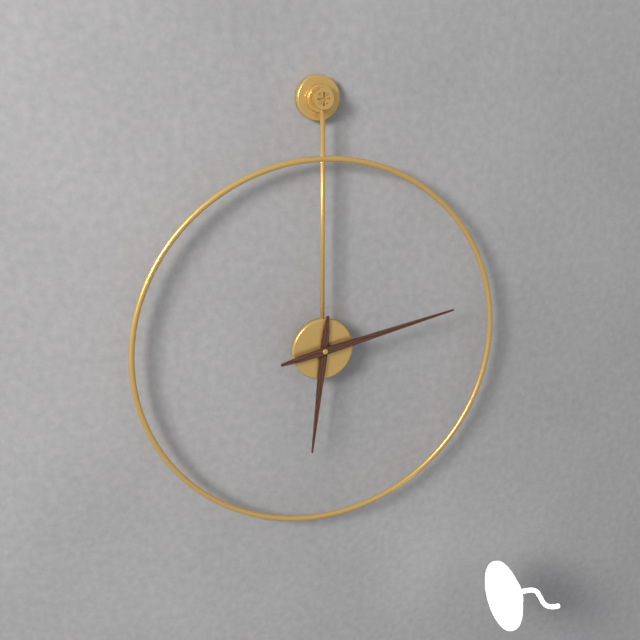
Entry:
6,13
